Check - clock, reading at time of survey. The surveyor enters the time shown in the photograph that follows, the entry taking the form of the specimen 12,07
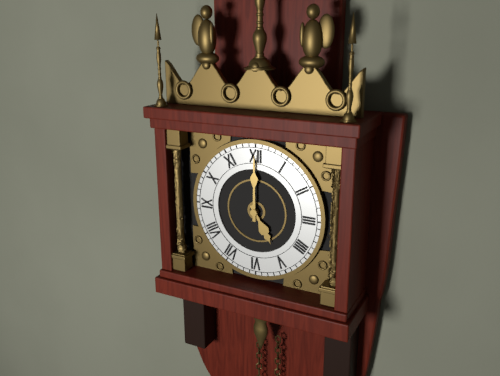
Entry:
5,00
